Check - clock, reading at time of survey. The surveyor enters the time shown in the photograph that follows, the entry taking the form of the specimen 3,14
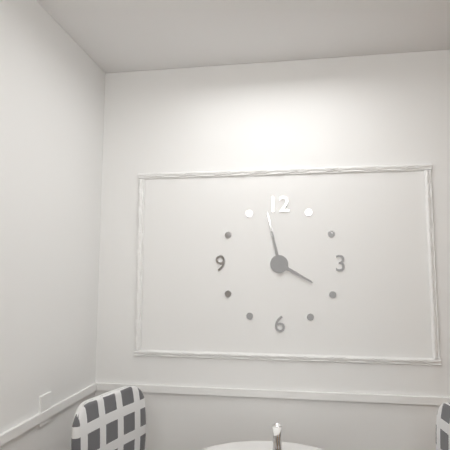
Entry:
3,58
